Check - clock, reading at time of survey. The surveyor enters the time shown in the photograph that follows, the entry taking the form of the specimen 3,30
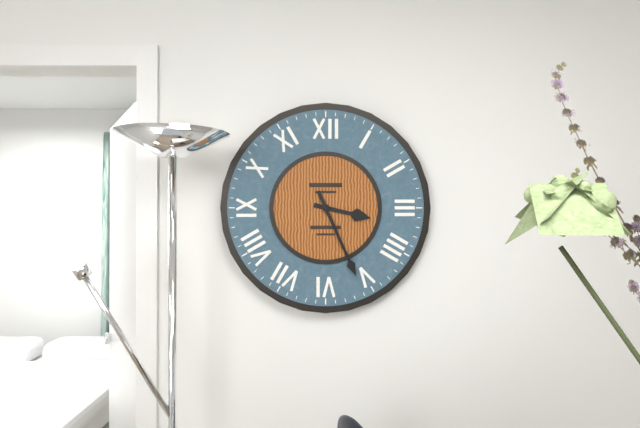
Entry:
3,26
